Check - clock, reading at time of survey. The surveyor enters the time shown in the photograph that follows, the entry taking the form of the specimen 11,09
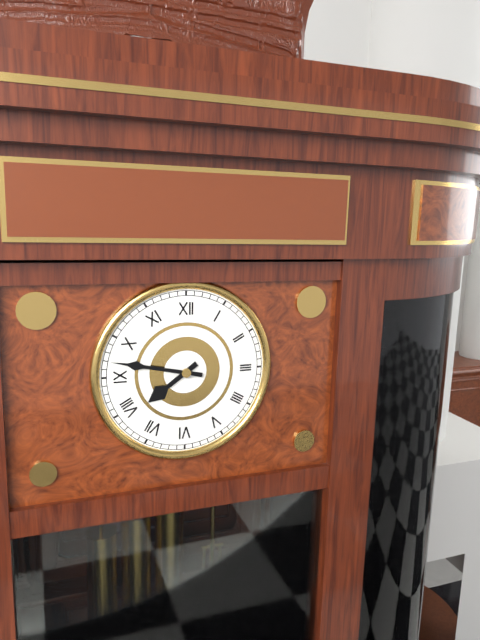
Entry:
7,47
